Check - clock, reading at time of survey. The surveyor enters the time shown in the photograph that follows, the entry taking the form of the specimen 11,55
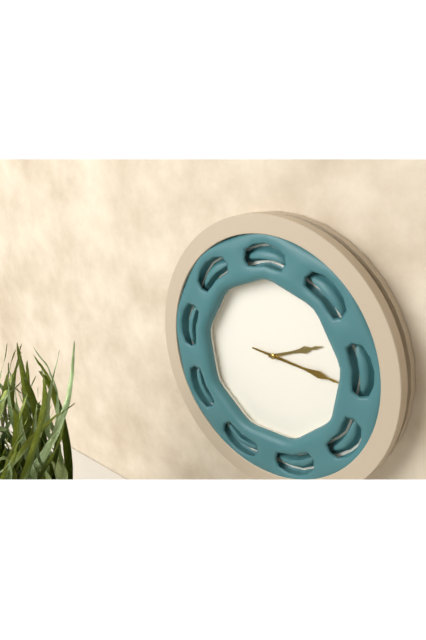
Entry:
2,16
